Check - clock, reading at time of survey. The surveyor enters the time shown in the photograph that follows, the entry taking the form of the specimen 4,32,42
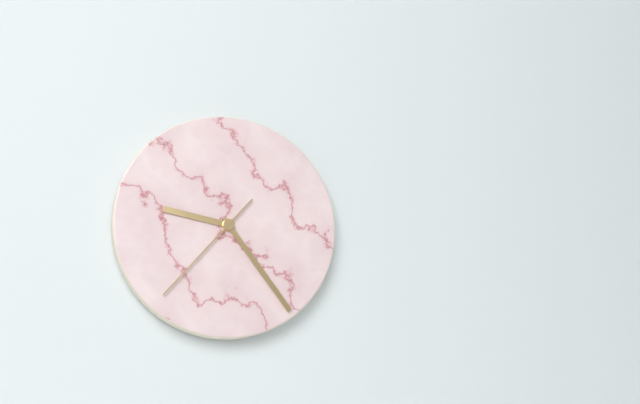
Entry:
9,24,37
